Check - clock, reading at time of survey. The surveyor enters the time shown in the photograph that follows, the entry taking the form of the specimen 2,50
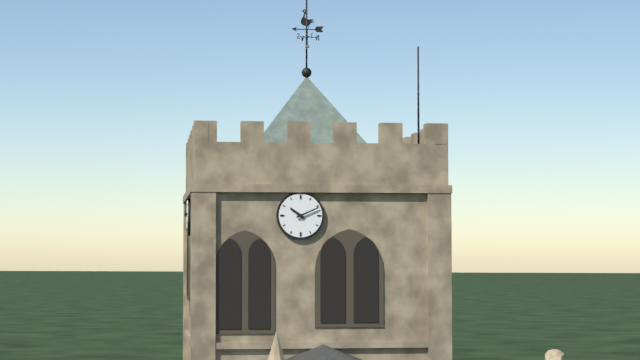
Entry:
10,11
